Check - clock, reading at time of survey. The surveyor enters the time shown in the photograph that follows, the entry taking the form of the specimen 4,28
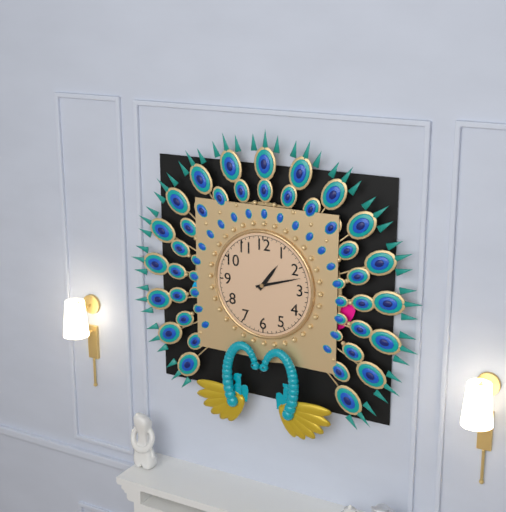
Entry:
1,12
